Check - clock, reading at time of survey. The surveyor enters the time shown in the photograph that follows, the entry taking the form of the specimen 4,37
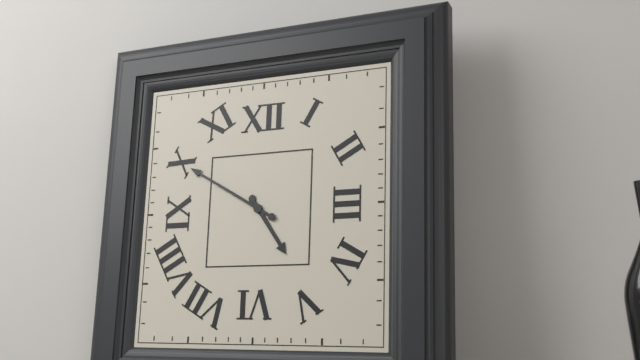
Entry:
4,50
